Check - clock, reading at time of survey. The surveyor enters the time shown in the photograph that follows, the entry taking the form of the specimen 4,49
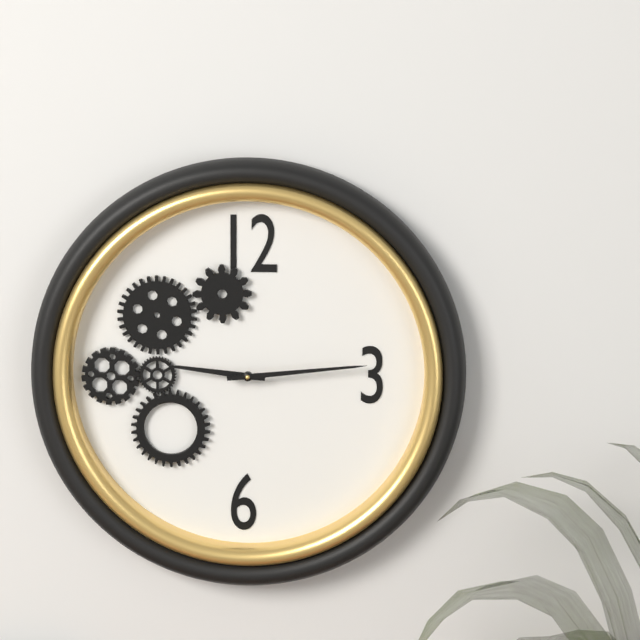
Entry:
9,14
